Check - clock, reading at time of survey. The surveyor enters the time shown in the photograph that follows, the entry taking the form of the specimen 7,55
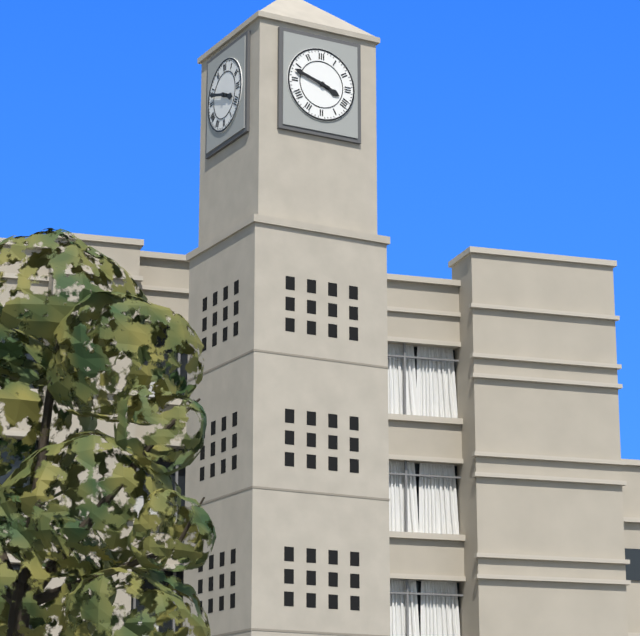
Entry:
3,48
